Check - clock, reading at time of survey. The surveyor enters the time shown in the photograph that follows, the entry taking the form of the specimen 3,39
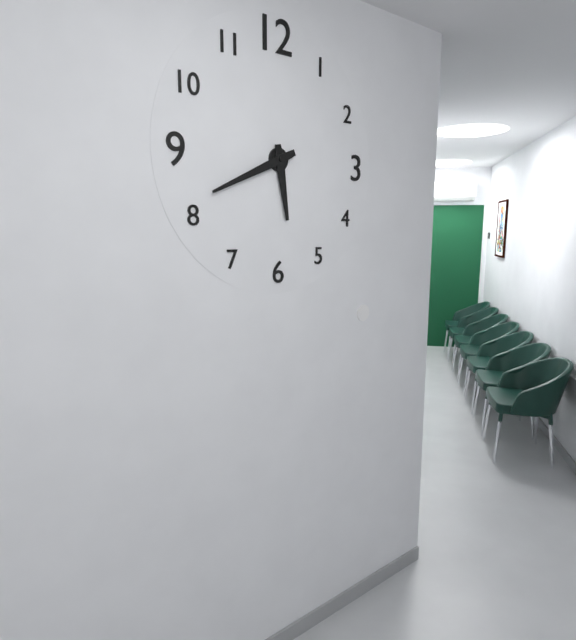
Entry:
5,41
